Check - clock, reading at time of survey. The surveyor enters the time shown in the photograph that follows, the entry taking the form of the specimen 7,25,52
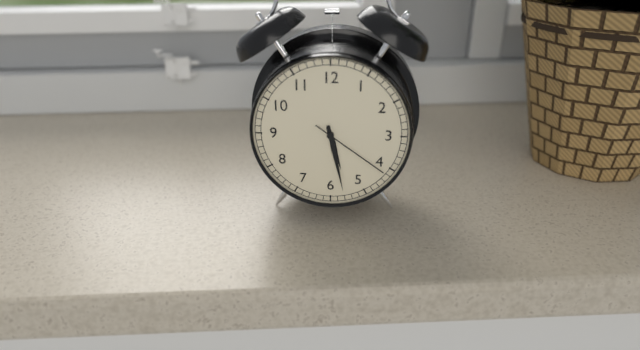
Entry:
5,28,21
